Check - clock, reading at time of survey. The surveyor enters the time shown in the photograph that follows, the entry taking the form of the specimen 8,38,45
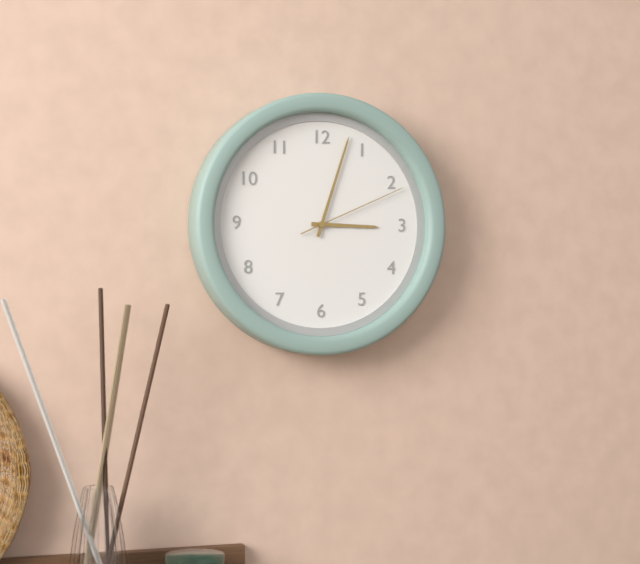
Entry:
3,03,11
